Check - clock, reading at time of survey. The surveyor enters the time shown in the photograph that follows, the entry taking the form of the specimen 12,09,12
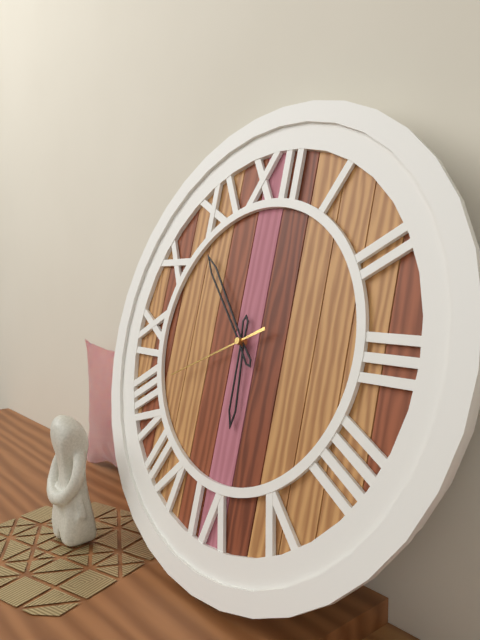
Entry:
5,53,41
